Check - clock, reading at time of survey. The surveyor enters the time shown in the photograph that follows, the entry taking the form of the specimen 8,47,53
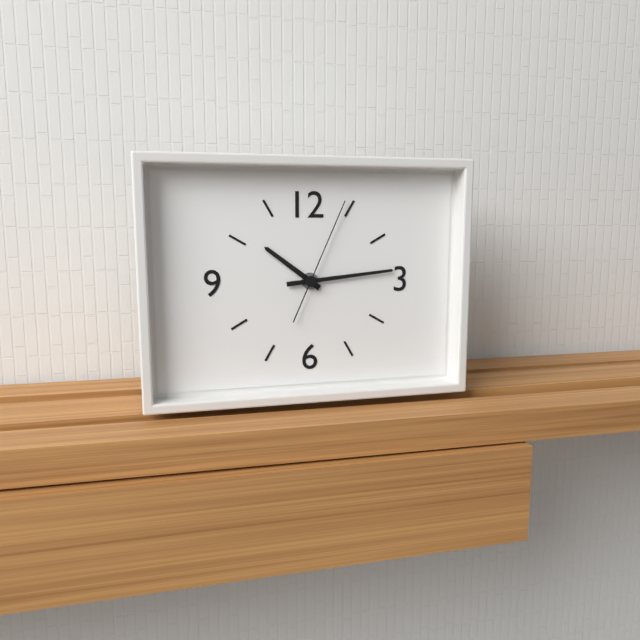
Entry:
10,14,04
